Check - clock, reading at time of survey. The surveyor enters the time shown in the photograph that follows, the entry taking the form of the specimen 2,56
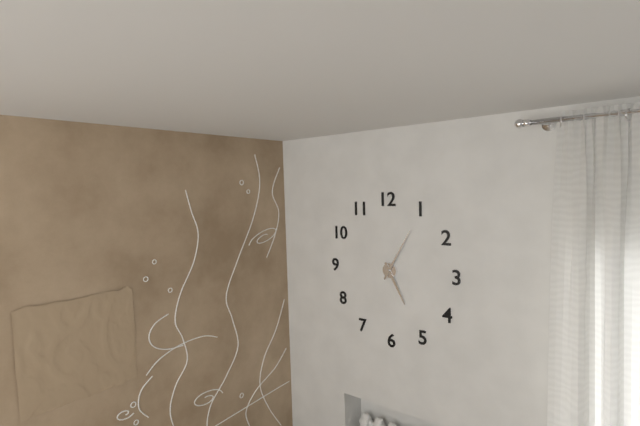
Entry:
5,05
